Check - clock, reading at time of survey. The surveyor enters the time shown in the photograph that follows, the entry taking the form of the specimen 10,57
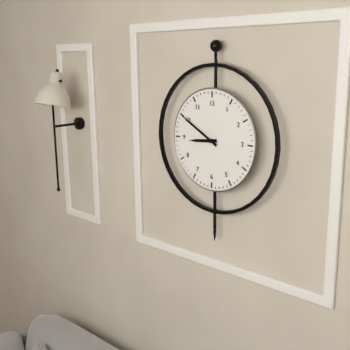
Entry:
8,50
